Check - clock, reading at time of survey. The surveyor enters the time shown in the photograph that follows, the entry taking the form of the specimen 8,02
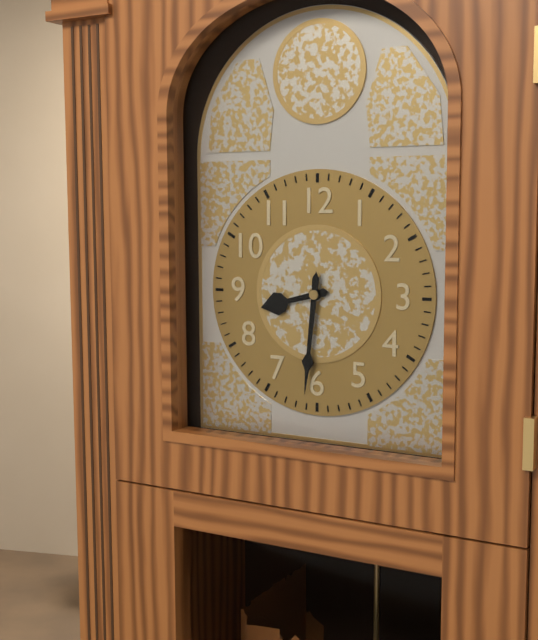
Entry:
8,31
